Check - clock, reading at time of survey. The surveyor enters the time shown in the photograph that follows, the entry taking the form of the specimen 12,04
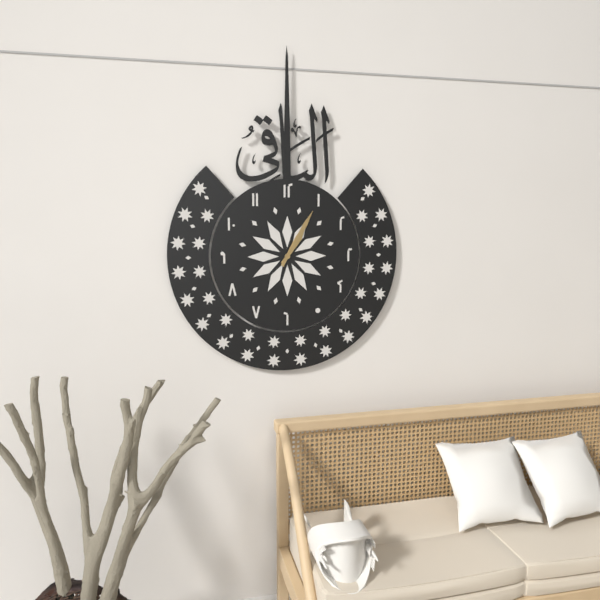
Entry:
1,05
